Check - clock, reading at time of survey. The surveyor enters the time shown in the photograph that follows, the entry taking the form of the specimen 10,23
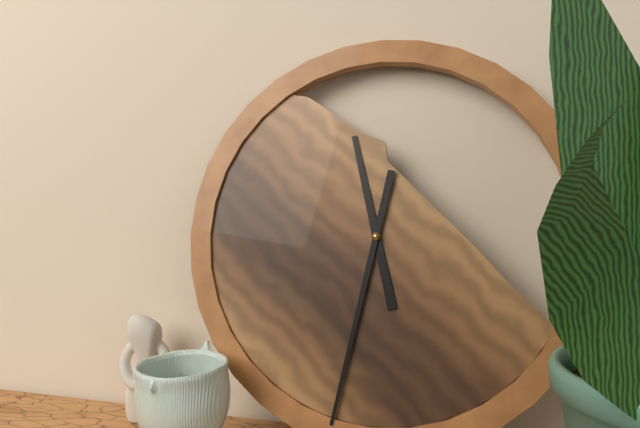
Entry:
11,32
